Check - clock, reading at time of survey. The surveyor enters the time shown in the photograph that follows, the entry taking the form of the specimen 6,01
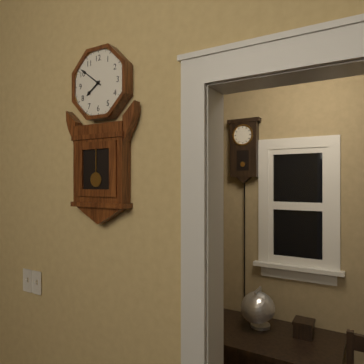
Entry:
7,51
